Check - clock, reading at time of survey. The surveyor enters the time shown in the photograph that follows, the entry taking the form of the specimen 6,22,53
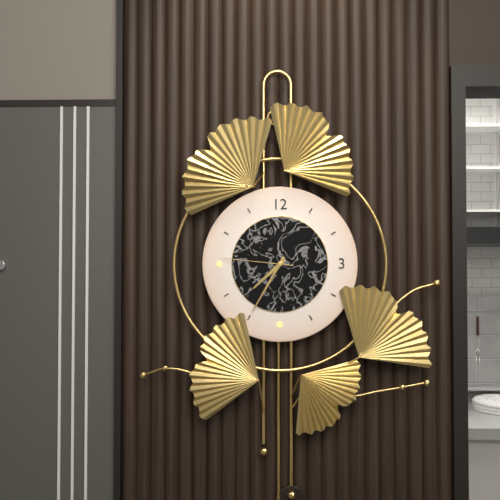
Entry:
7,35,46
